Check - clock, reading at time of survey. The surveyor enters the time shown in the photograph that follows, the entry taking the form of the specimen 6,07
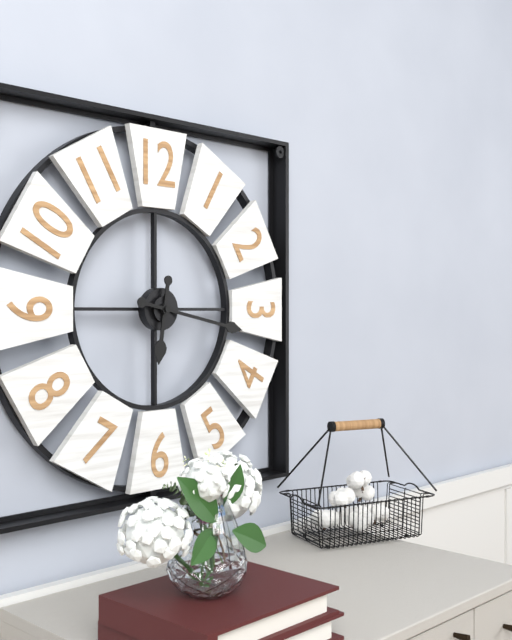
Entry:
6,17
